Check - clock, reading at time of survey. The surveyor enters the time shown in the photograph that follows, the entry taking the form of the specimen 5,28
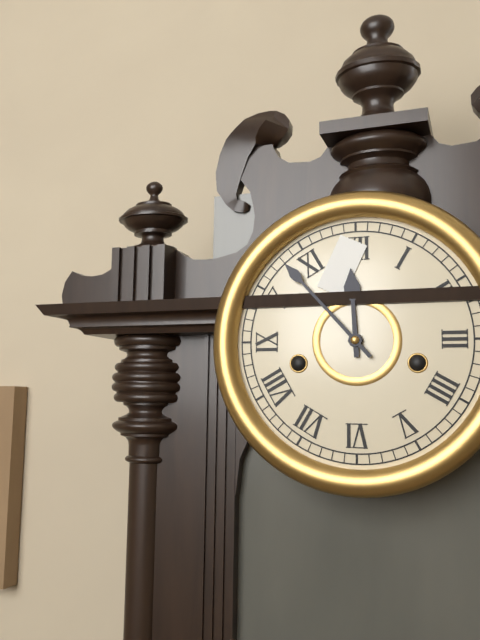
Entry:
11,53
